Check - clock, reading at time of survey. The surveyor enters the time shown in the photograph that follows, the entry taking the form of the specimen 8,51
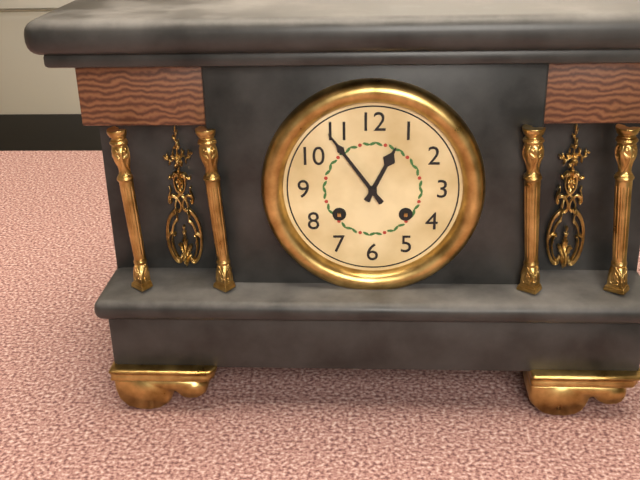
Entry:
12,54
